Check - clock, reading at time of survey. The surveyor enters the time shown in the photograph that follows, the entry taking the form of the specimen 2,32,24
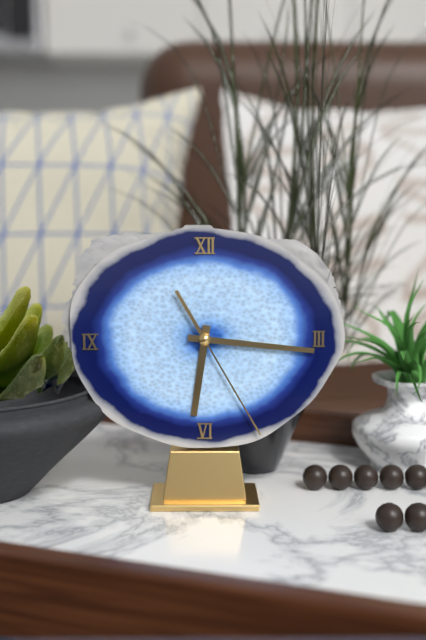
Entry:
6,16,25
